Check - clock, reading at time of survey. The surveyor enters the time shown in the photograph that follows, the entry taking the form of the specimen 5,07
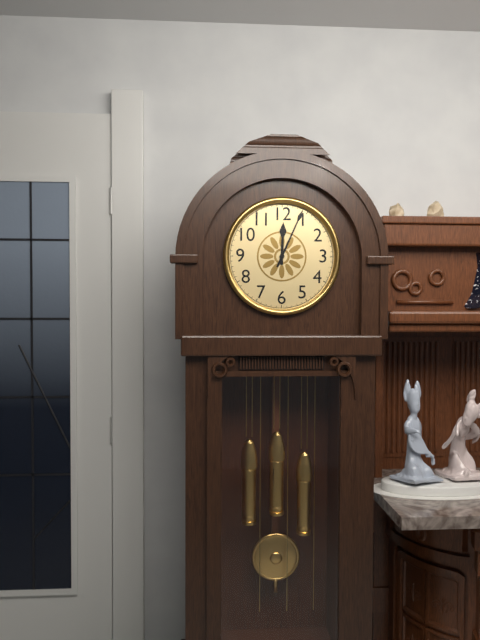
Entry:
12,04
